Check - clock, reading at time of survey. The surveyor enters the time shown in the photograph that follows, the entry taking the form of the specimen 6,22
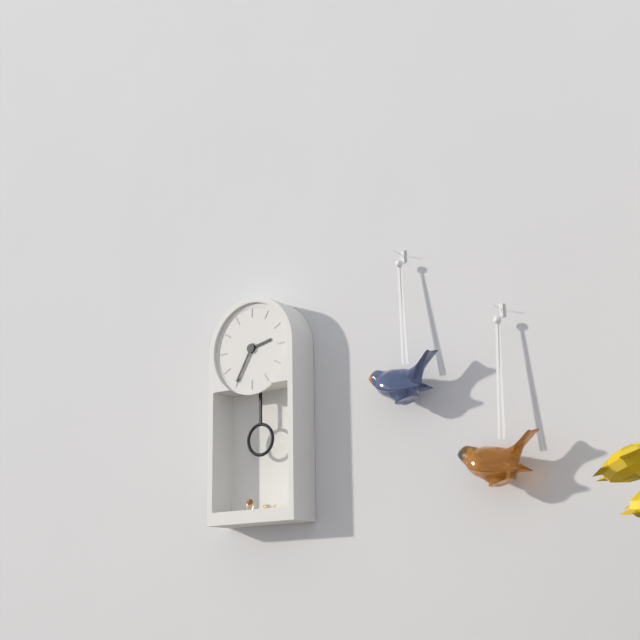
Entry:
2,35
